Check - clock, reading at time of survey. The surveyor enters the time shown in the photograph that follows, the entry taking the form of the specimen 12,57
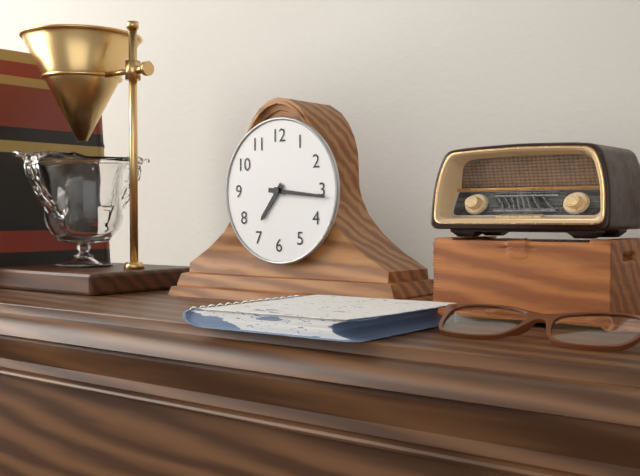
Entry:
7,16
